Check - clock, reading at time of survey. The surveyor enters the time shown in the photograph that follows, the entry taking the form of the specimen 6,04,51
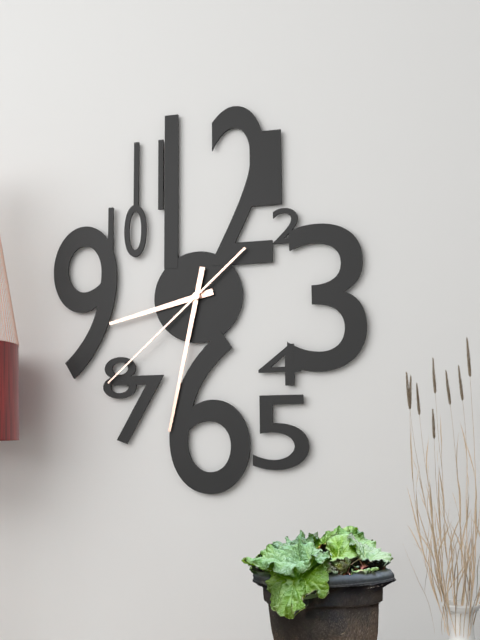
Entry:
8,32,38
